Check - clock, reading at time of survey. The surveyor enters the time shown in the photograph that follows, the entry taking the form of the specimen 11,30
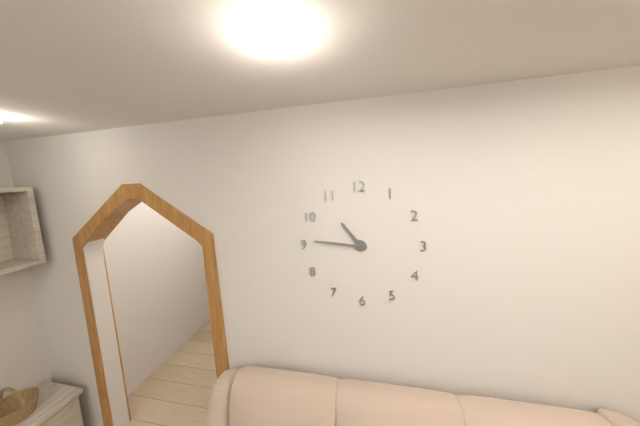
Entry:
10,46
